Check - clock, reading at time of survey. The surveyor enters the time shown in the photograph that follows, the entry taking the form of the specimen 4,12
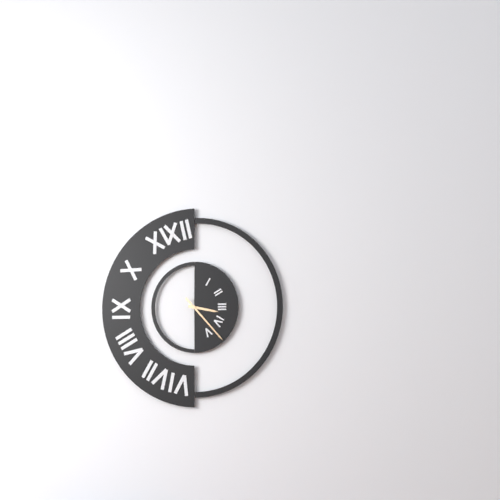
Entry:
3,23
